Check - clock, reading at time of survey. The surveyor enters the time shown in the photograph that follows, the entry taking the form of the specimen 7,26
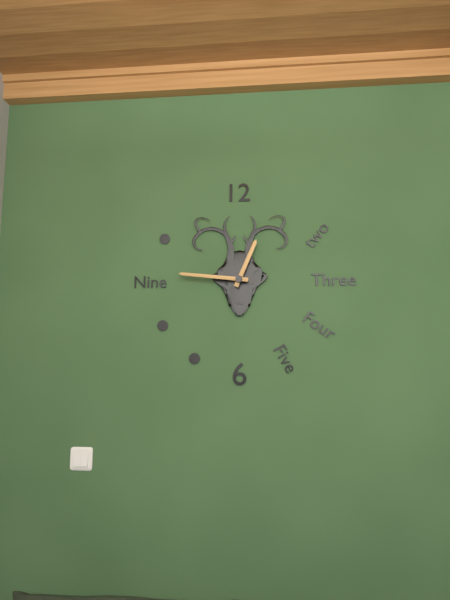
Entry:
12,46
